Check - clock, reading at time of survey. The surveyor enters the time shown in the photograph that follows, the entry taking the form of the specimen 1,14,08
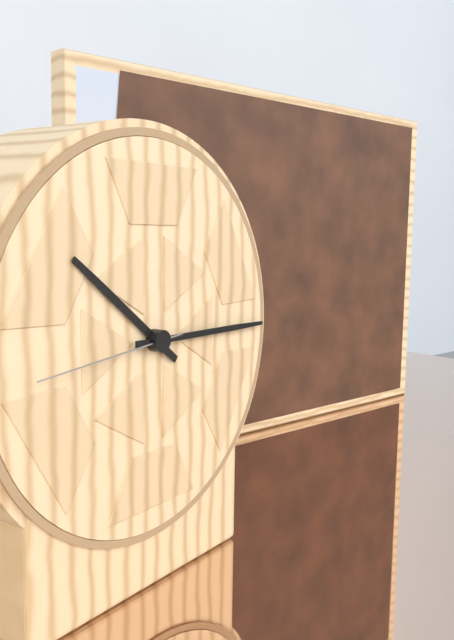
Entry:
10,15,44
